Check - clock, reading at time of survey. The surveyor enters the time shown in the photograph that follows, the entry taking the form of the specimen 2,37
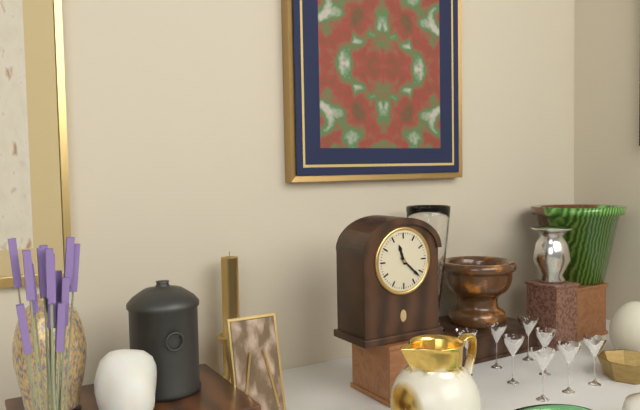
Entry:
11,22
